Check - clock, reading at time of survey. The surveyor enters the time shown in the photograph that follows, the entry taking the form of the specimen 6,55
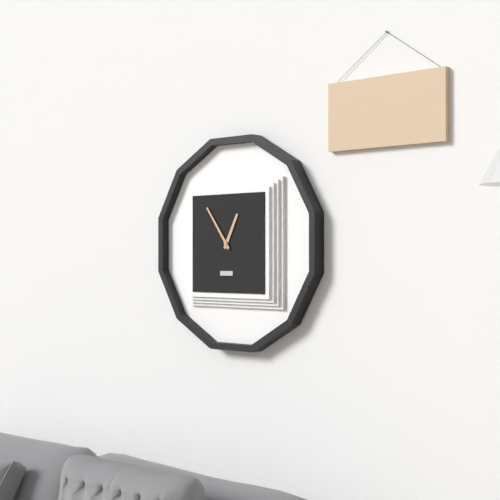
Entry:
12,54
